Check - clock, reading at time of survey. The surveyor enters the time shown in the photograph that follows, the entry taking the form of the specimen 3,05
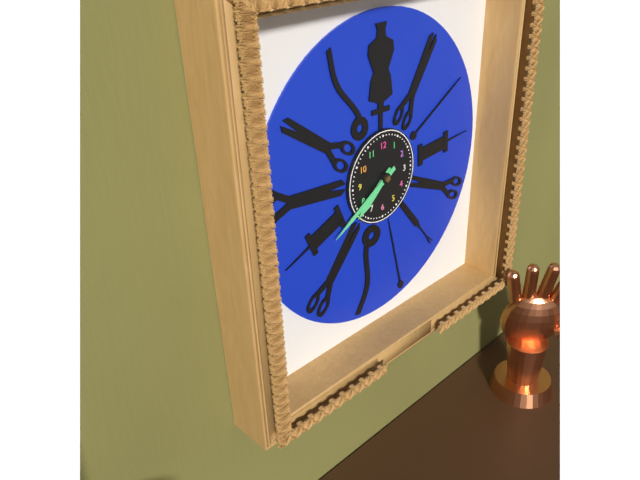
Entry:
7,40
